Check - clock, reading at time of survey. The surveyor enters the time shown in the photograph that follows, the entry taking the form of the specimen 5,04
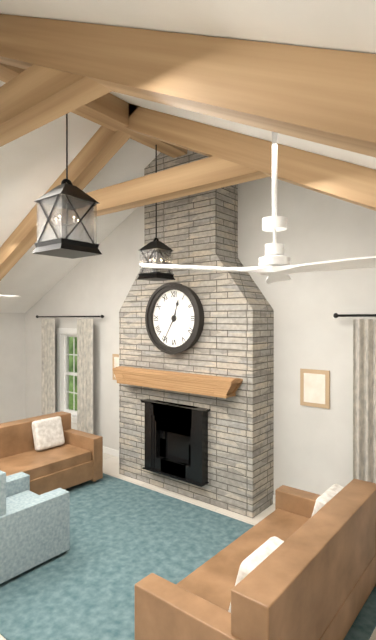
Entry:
12,35
